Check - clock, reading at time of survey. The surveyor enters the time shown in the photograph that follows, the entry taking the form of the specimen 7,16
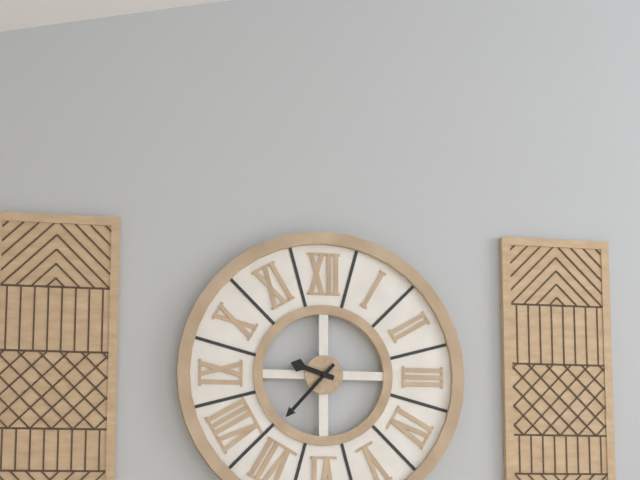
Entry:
9,37
